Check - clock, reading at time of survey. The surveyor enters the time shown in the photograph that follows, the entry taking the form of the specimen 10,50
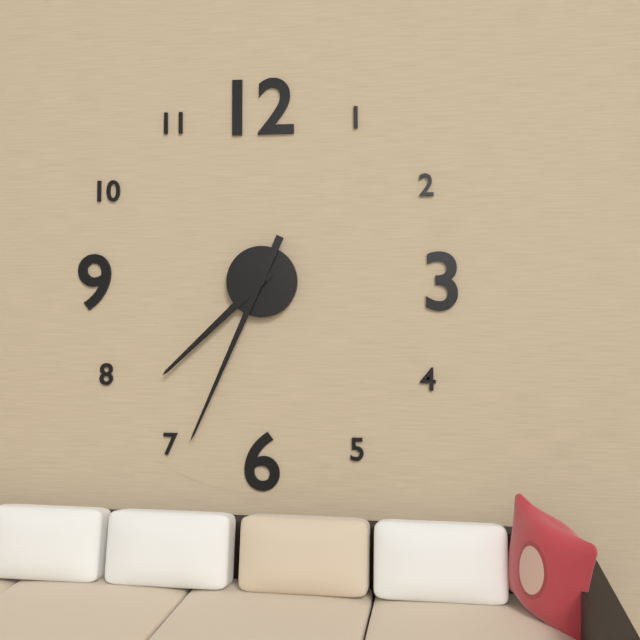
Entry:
7,34
